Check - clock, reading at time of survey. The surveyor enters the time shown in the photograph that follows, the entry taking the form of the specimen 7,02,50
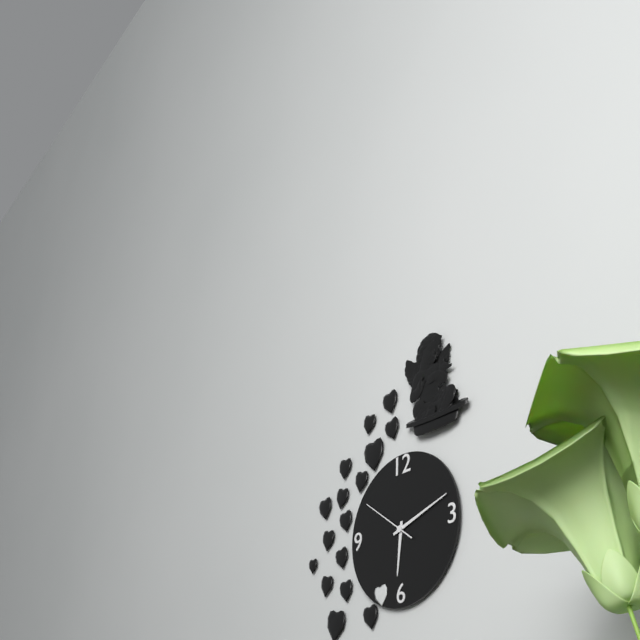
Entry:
6,12,51
